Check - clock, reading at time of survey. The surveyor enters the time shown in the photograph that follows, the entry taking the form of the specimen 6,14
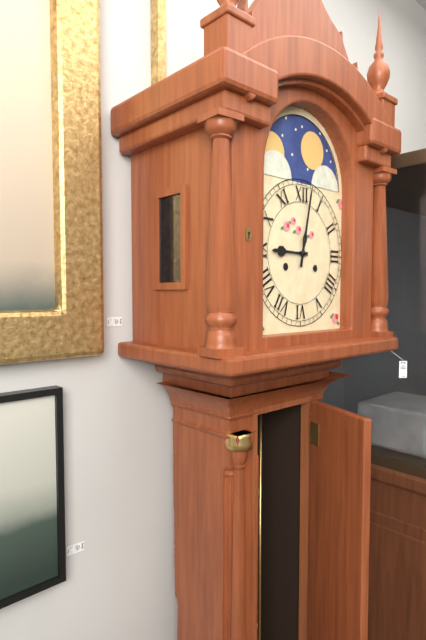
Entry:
9,02
